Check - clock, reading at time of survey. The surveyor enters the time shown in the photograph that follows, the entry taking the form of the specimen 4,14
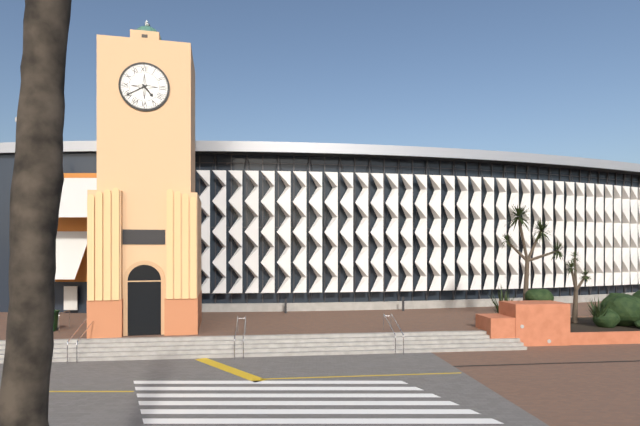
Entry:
4,40
